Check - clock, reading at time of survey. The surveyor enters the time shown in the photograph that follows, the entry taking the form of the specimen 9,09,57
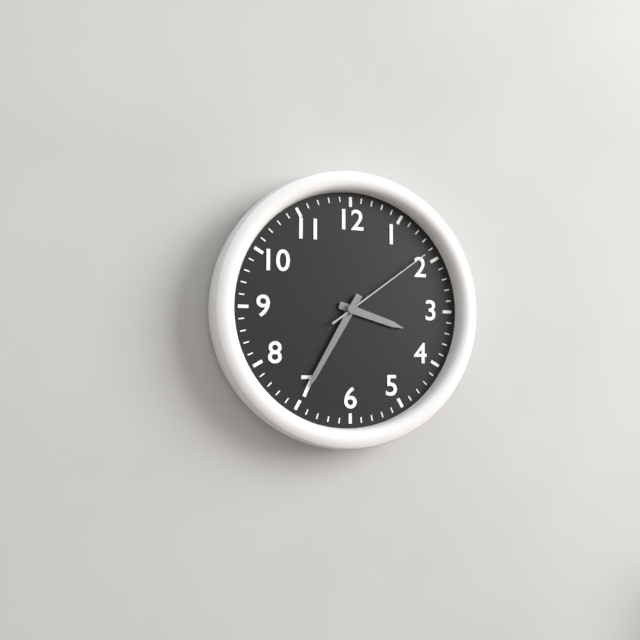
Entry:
3,35,09
